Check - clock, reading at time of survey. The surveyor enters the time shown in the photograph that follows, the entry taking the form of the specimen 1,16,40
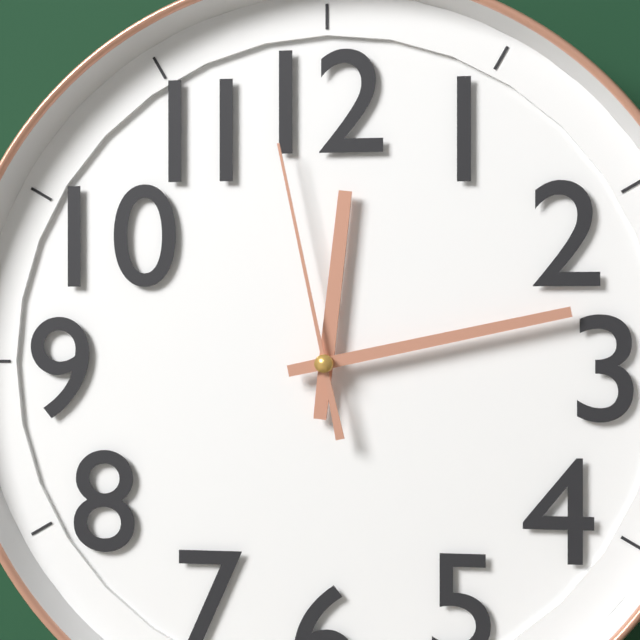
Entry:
12,13,58
